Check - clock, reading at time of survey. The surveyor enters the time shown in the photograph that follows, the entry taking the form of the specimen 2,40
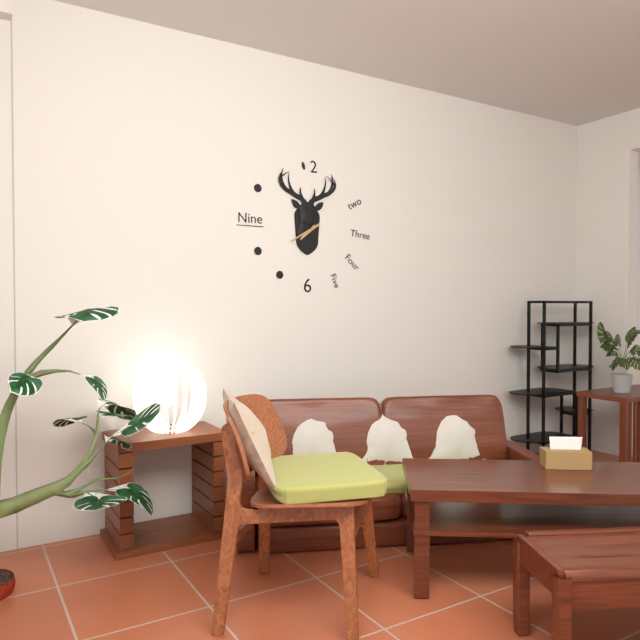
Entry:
7,40
